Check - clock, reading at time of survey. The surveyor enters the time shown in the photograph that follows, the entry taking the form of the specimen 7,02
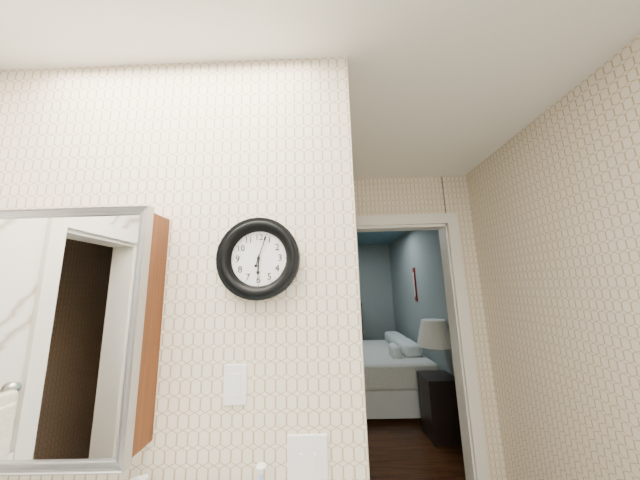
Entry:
6,03
